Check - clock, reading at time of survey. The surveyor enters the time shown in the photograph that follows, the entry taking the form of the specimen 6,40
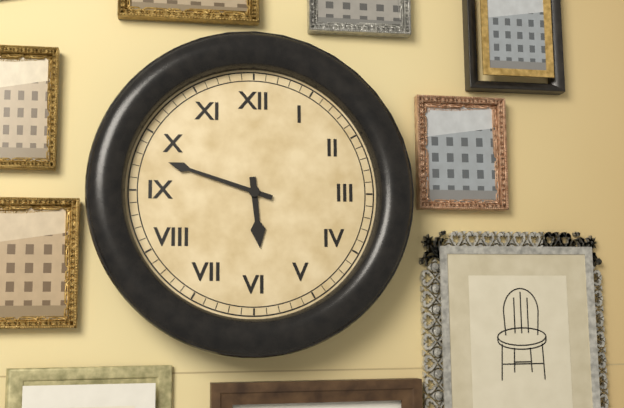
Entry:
5,48
